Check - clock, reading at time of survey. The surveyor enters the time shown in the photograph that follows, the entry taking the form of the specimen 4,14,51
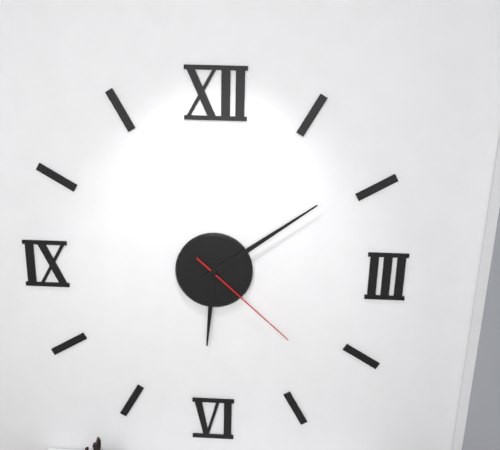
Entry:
6,09,22
